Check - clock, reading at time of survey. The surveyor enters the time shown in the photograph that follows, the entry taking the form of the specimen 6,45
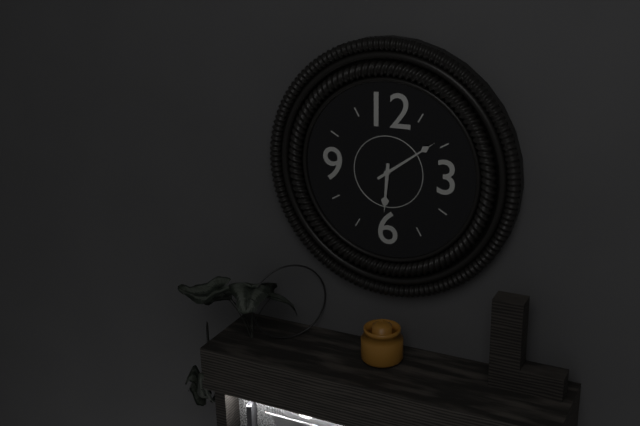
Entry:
6,09
